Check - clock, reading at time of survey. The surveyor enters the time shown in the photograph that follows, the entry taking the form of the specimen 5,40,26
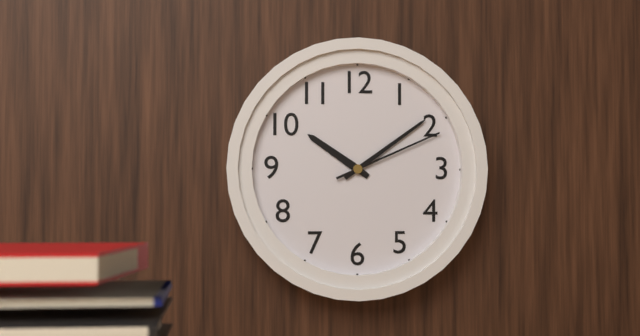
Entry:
10,09,11
